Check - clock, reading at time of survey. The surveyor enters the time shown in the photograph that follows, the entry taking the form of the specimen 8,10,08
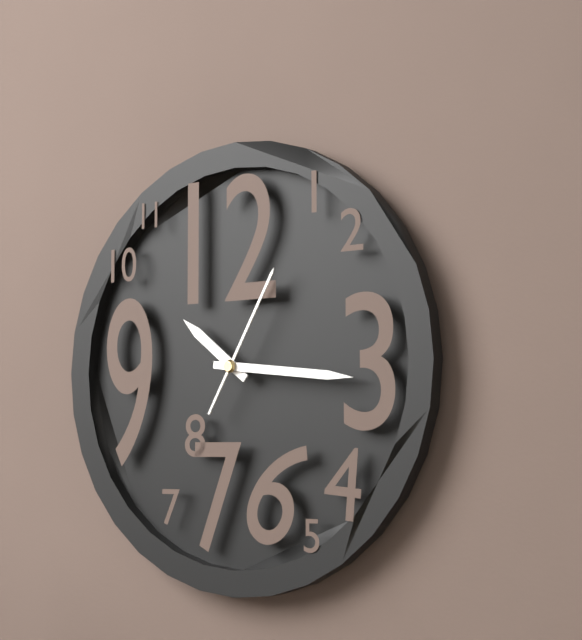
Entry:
10,16,05
